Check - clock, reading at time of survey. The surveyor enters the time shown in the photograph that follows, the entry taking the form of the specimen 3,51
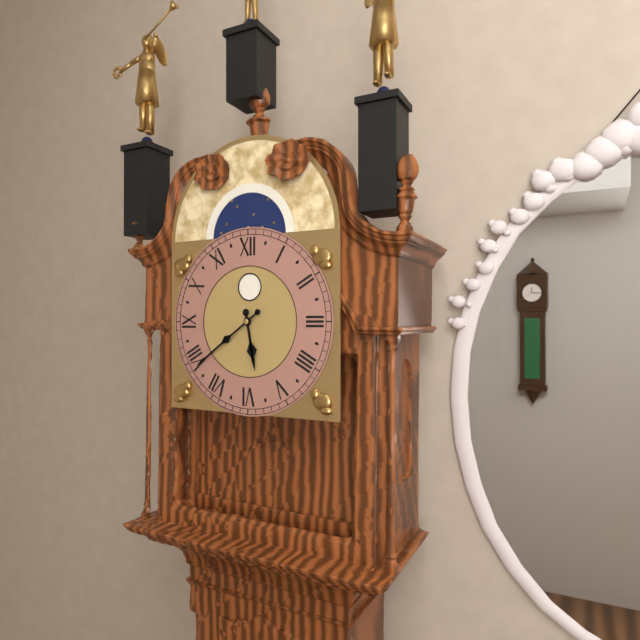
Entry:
5,39
